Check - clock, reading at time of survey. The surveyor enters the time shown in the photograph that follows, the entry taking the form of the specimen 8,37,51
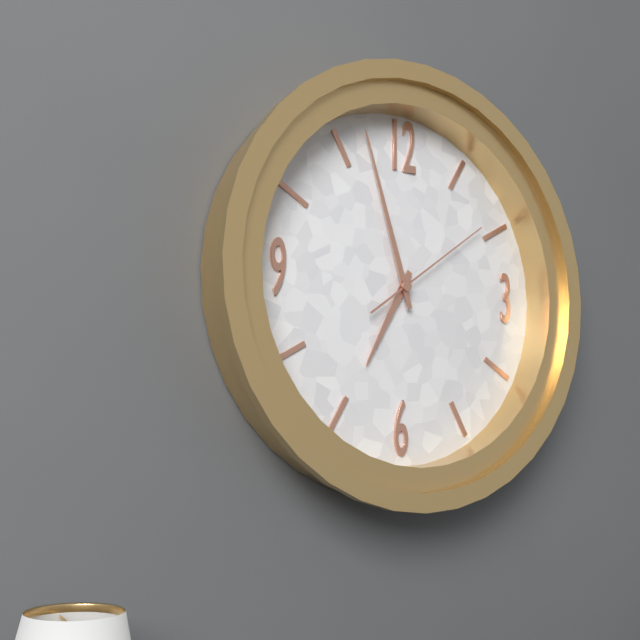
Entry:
6,57,09
